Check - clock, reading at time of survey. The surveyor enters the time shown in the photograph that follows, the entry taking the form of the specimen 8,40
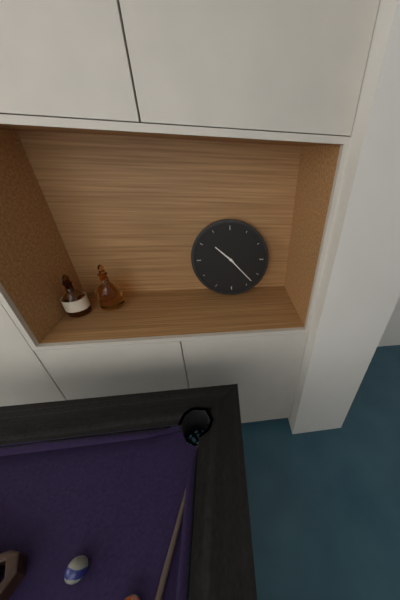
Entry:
10,23
